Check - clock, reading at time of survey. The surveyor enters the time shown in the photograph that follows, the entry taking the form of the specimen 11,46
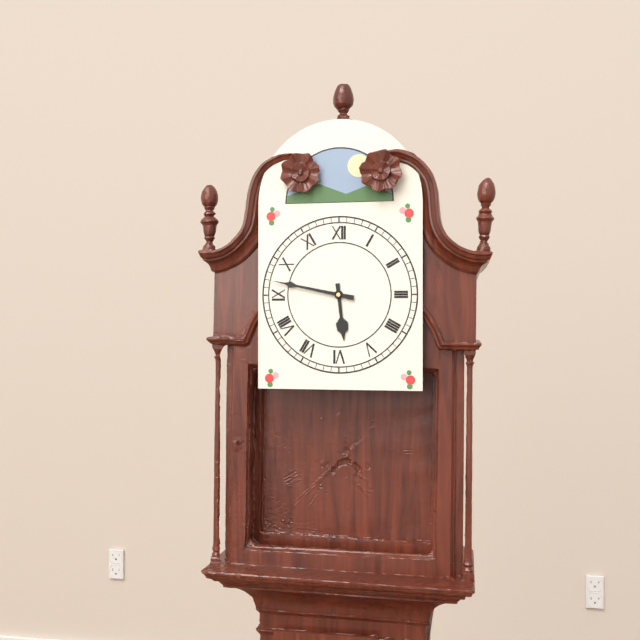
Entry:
5,47
